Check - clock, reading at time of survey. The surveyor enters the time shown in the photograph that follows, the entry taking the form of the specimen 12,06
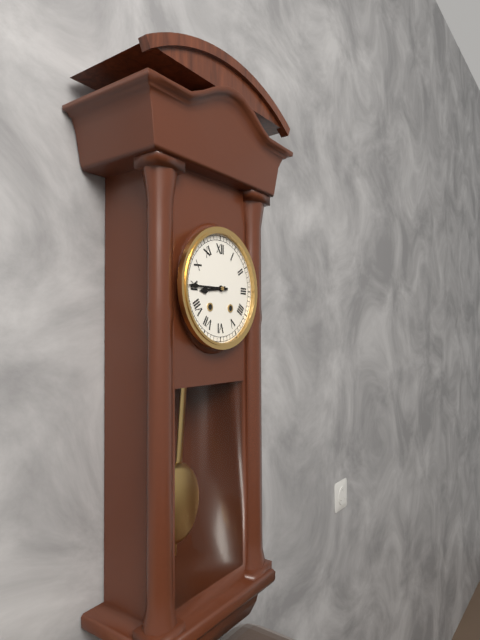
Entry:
8,45
